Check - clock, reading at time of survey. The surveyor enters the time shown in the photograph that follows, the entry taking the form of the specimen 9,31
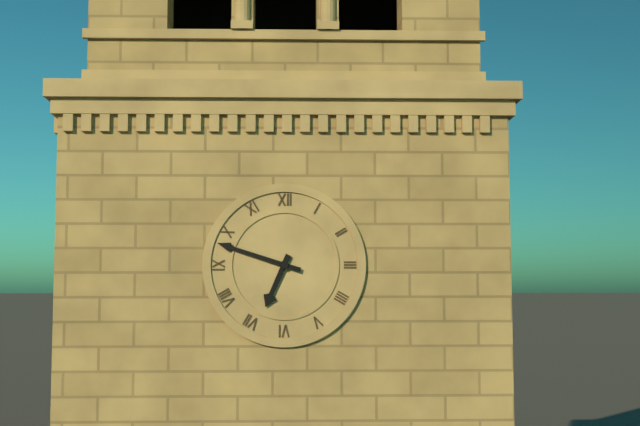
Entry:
6,48
